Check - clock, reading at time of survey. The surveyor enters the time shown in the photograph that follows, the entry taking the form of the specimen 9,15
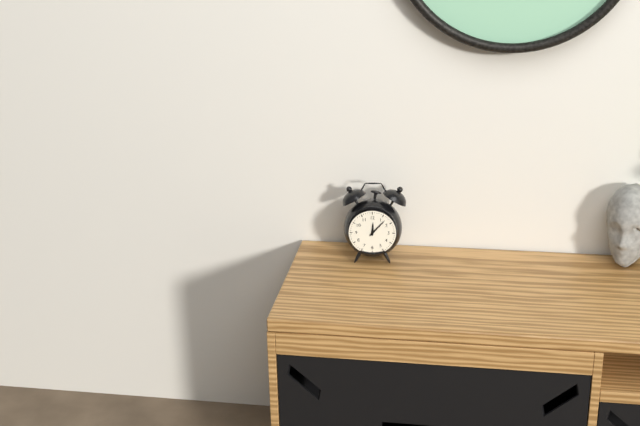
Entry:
12,07
